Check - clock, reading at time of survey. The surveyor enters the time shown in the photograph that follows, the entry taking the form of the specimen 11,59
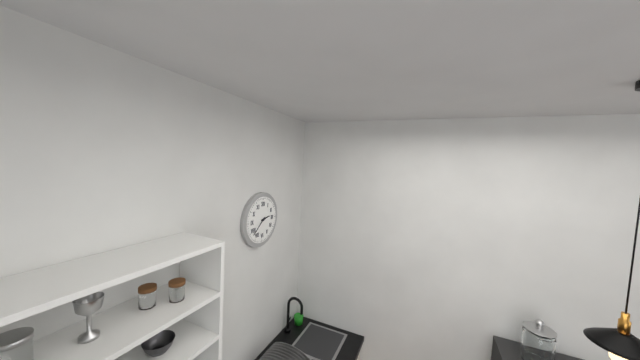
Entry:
2,38
